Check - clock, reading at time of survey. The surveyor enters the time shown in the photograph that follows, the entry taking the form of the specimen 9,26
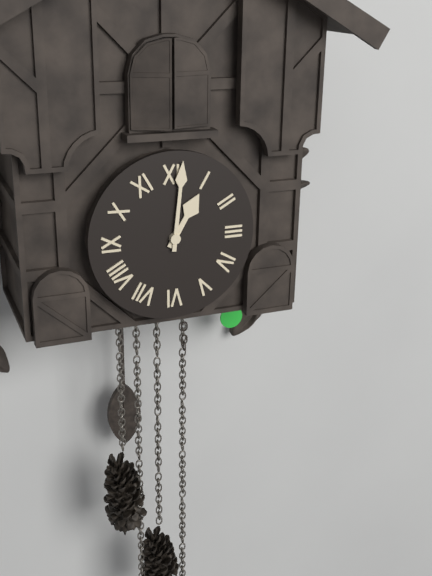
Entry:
1,01
